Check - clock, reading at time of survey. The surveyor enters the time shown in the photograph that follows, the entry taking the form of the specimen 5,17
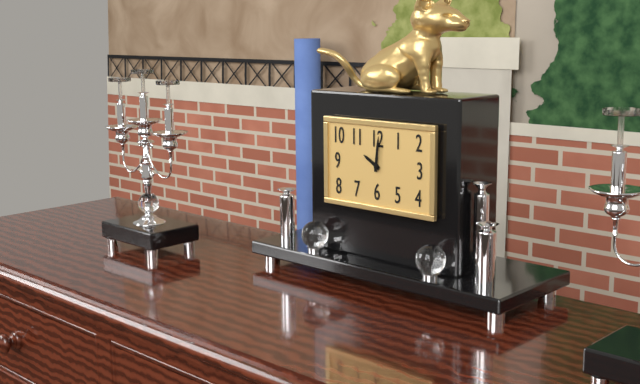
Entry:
10,01
